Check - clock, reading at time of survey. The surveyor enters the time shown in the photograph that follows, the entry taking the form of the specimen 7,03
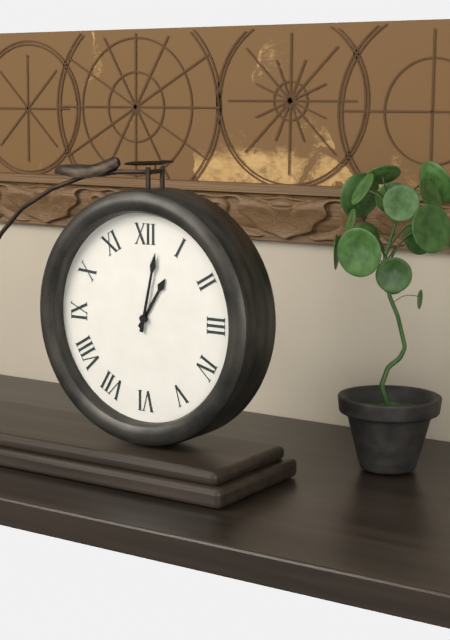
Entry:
1,02
